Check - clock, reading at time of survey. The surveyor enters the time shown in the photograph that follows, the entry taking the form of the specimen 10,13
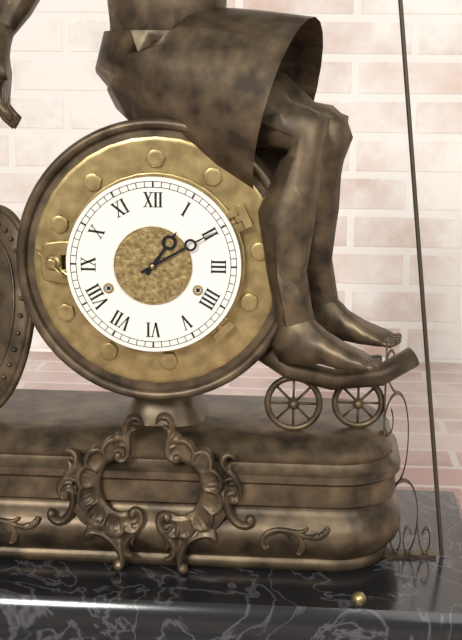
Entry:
1,10
